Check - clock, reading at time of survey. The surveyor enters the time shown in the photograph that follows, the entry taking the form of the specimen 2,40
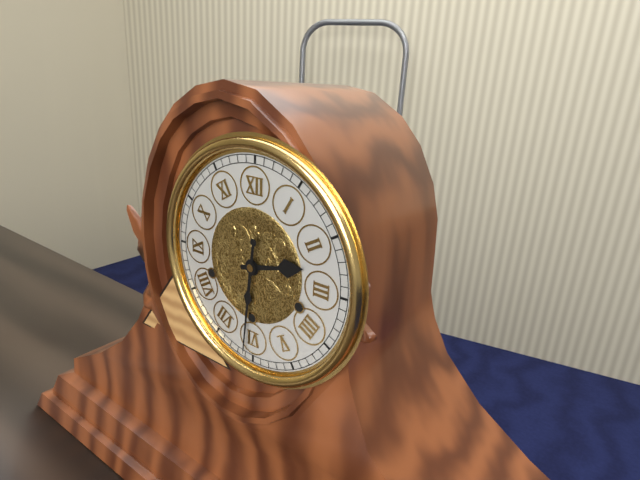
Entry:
2,31
